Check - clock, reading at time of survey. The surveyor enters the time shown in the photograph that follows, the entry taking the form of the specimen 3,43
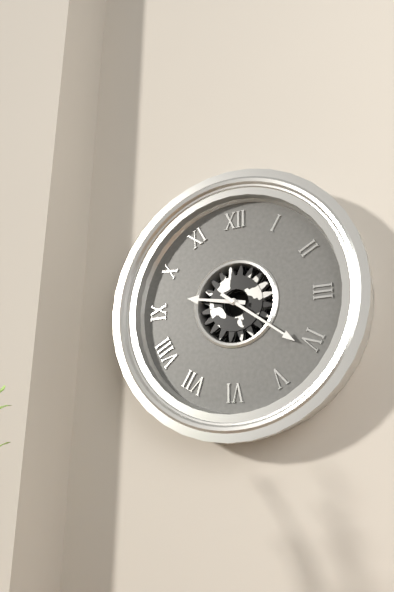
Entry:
9,21
